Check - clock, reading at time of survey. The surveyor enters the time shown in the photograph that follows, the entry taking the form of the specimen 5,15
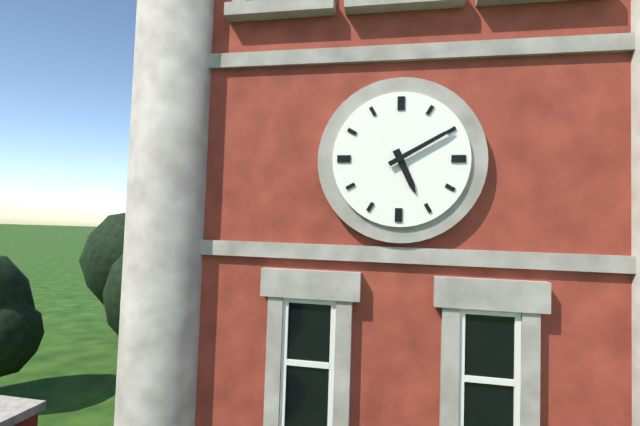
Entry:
5,10
